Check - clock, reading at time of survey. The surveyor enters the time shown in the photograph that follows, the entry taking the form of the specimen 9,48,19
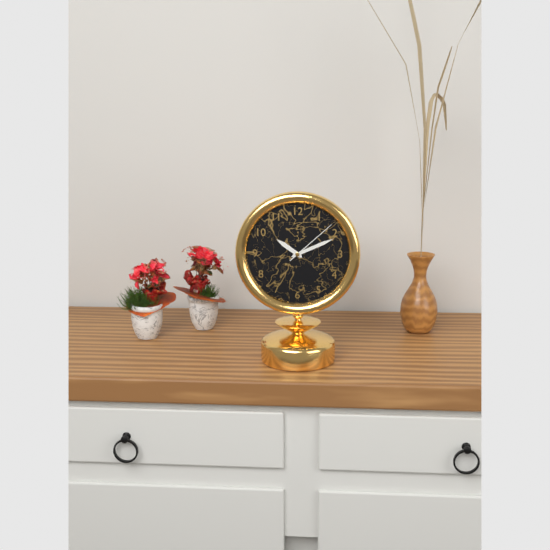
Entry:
10,11,08
